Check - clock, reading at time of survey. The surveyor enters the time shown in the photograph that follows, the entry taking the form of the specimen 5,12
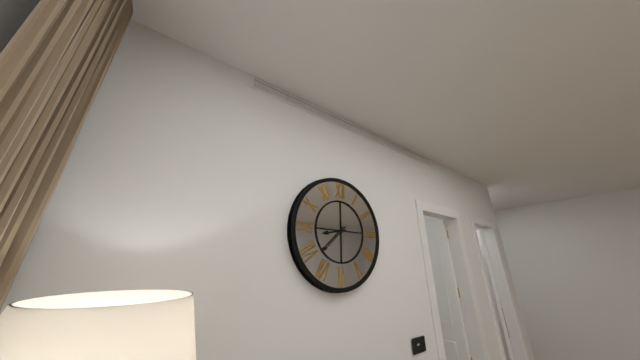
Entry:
8,38
